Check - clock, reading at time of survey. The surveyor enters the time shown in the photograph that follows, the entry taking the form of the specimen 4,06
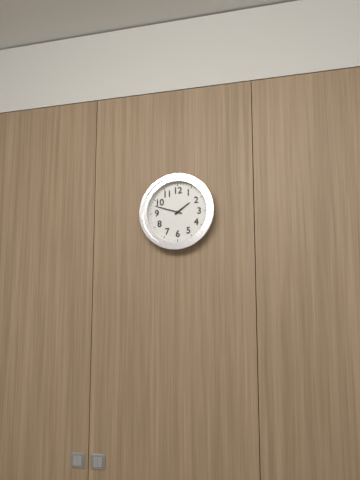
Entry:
1,48
